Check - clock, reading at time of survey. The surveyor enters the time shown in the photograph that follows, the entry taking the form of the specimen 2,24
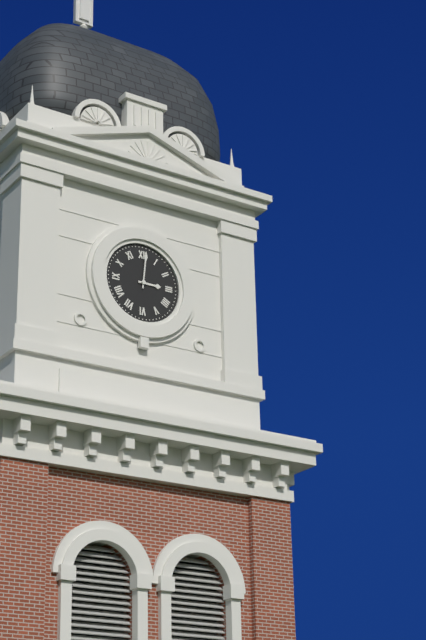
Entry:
3,01
